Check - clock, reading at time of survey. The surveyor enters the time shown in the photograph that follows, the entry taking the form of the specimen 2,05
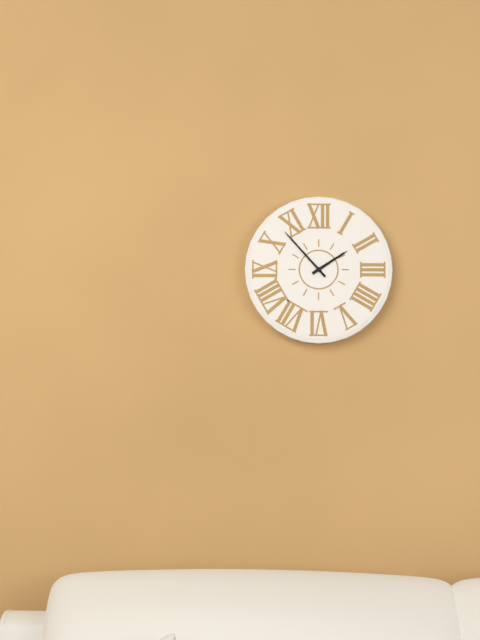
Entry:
1,53
